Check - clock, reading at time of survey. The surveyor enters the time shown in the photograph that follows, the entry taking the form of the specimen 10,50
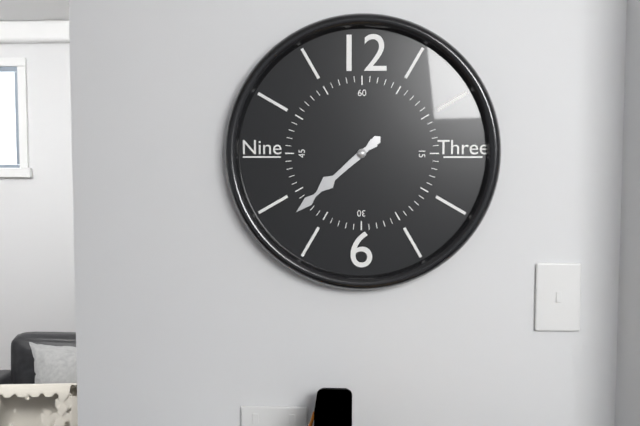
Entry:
7,38
